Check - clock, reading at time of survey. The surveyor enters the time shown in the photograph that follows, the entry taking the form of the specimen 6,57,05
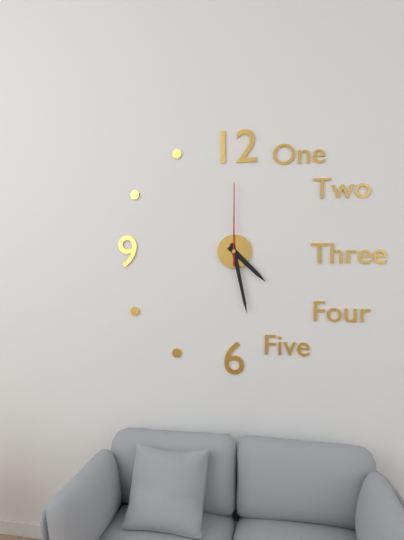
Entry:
4,28,00
